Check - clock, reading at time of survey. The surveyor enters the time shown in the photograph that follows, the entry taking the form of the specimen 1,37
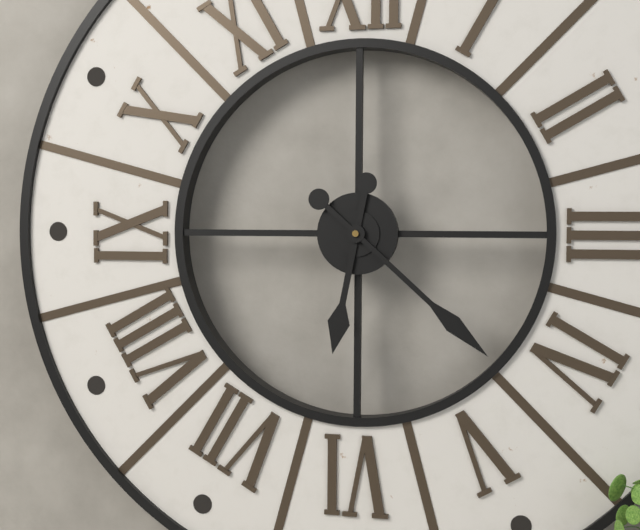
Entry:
6,22
